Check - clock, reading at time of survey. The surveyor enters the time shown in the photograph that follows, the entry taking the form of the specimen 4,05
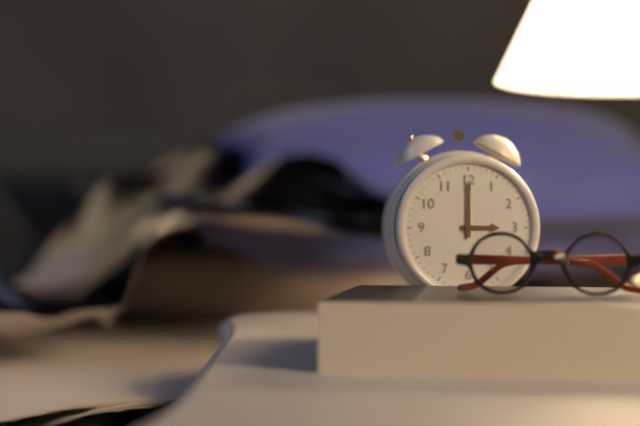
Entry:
3,00
